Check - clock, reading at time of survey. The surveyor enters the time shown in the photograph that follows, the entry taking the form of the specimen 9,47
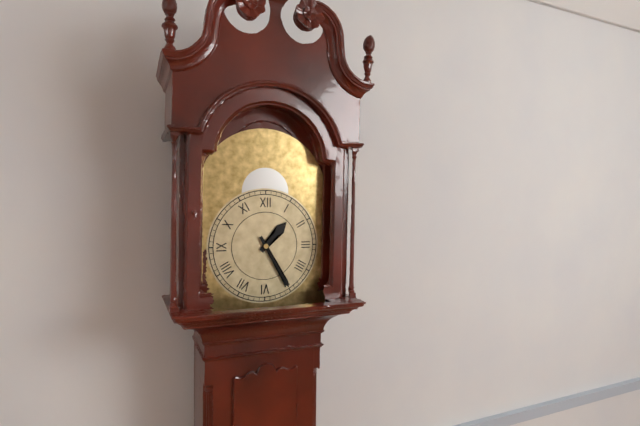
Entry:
1,25
